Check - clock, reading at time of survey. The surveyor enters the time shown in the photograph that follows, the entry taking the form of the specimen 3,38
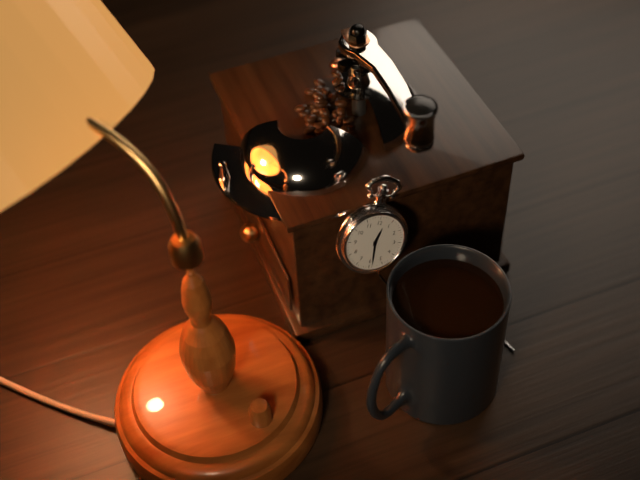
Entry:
12,29
